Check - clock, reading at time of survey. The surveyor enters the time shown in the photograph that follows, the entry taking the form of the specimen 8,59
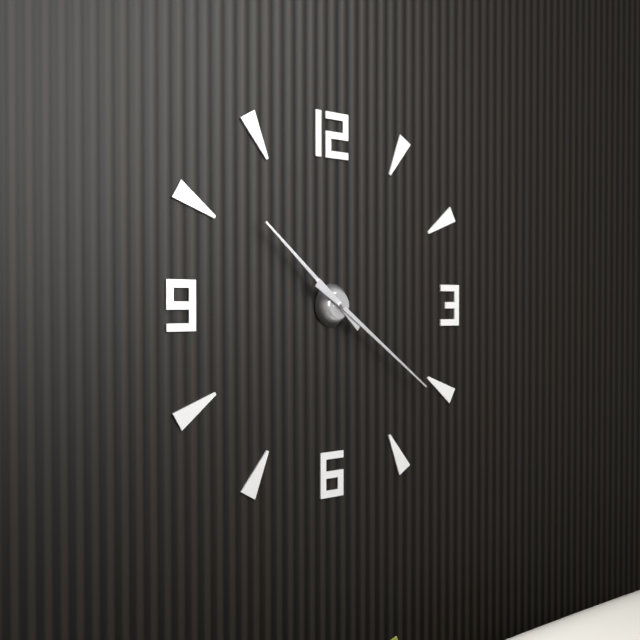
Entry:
10,21
